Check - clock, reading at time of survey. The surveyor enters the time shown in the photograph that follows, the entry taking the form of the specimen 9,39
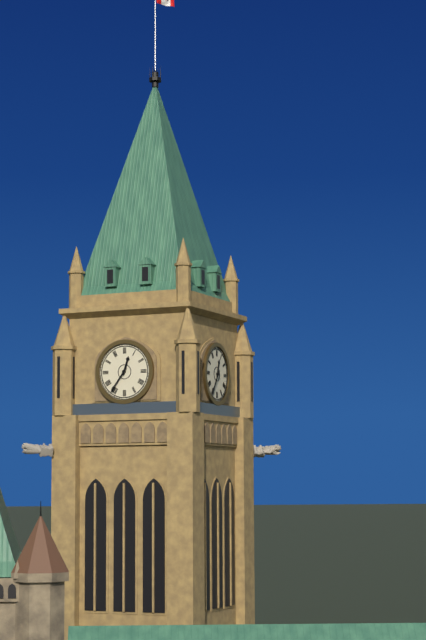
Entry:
12,36
